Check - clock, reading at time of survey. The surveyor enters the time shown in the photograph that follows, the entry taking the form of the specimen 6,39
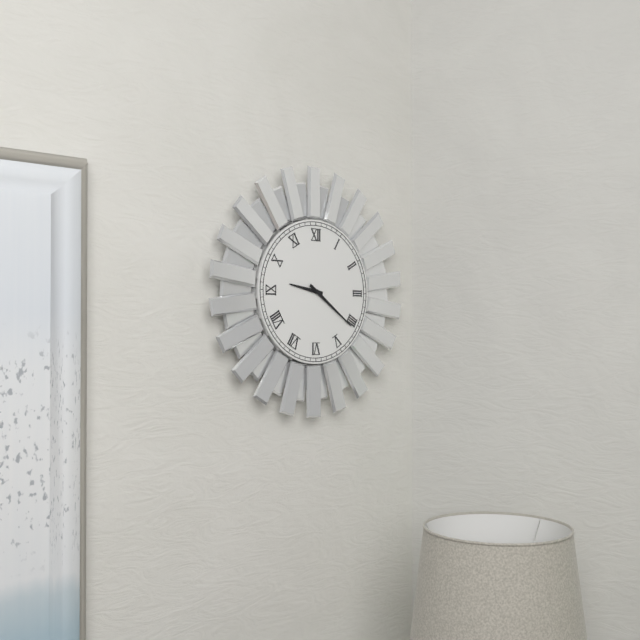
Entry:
9,21
